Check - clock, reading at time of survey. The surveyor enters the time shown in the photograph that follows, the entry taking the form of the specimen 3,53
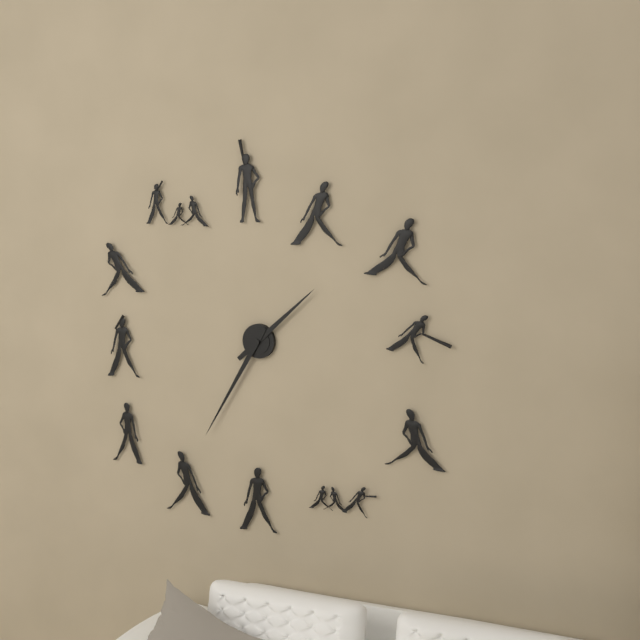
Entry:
1,35
